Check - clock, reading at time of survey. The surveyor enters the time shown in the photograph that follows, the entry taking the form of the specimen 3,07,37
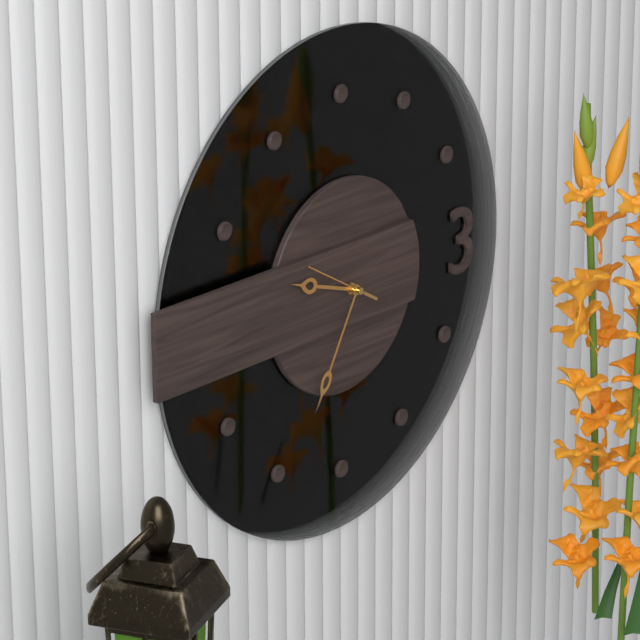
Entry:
9,35,50
